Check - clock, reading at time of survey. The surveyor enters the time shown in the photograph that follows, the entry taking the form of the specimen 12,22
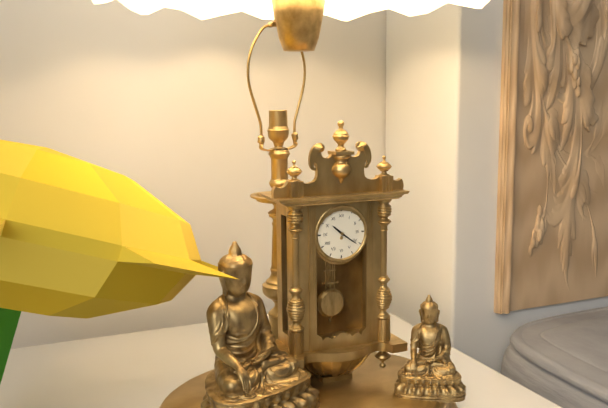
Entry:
10,21
